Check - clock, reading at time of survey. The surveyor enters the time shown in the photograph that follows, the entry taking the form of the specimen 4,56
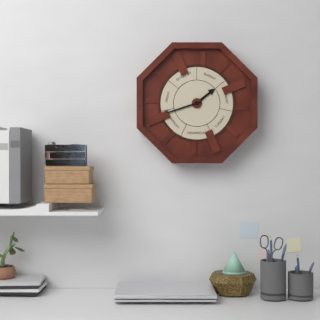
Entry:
1,42
